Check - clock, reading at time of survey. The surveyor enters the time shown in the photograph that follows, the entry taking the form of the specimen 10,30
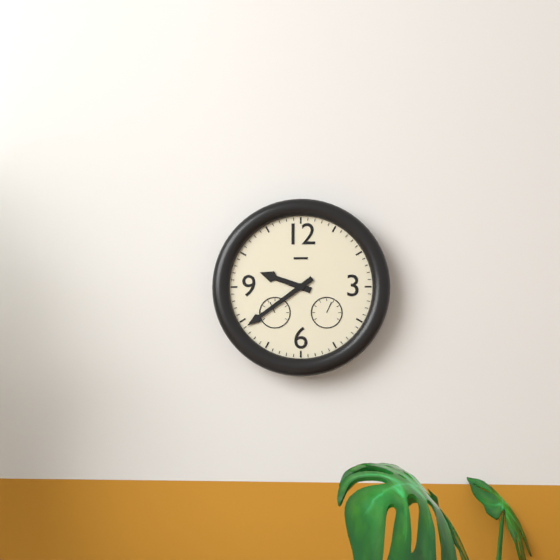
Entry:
9,39
